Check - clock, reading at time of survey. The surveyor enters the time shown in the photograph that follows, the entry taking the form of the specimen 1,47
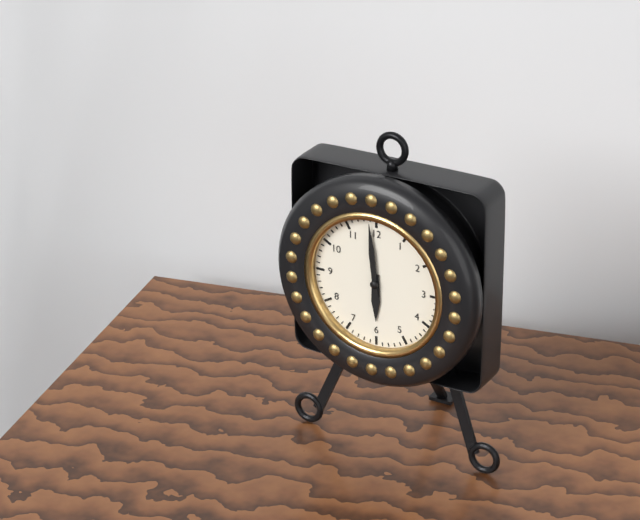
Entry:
5,59
